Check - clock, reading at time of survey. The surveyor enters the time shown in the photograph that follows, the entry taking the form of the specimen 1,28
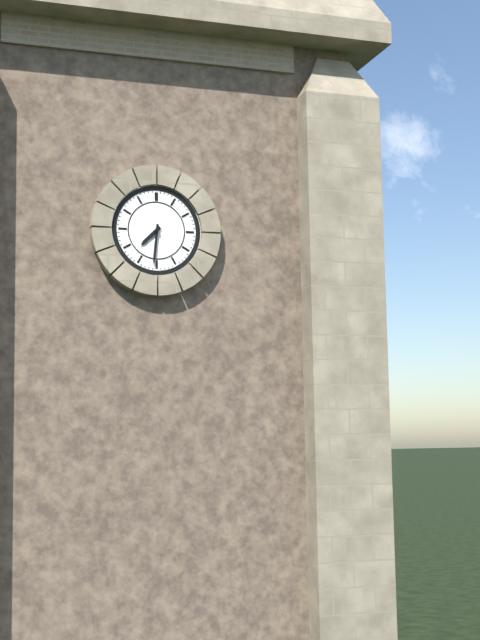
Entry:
7,31
